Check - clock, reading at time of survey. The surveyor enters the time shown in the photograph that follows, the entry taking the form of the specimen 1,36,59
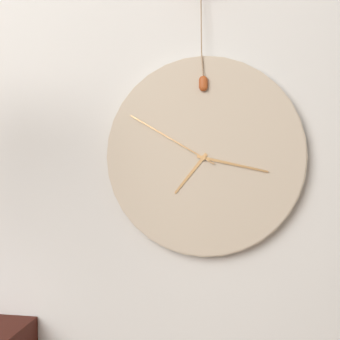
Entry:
7,17,50
